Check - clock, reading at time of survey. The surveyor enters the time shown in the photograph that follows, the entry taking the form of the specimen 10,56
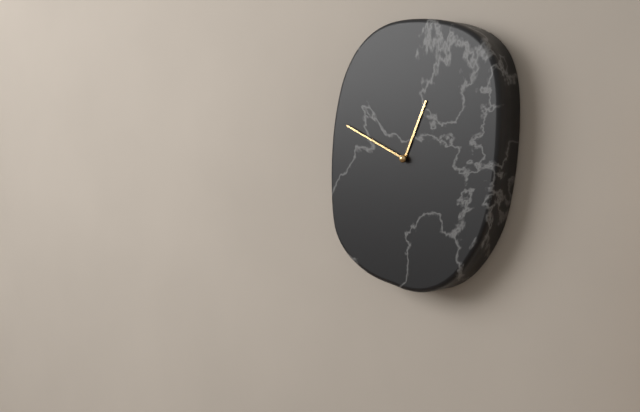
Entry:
12,49
